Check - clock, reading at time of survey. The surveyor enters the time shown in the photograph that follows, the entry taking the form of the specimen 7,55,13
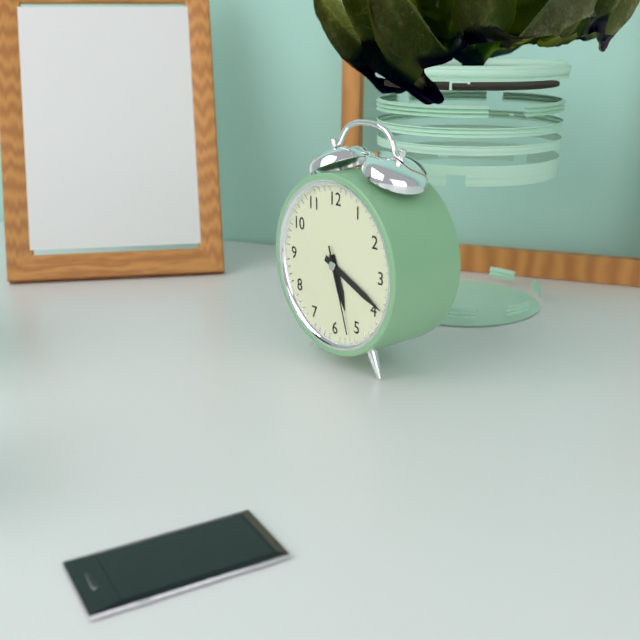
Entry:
5,19,27
